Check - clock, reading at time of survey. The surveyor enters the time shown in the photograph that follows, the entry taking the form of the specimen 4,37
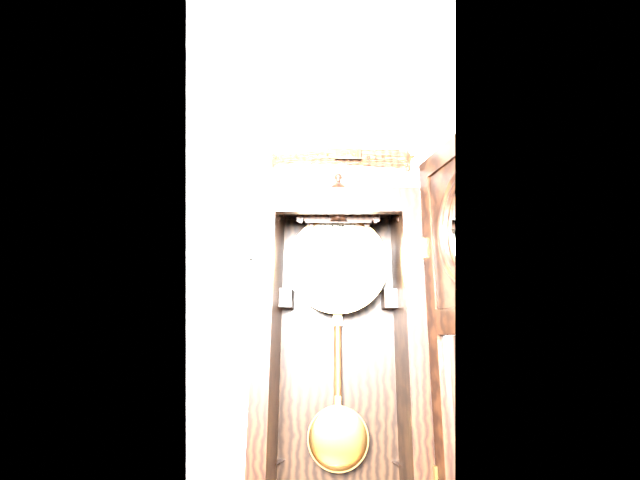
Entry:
5,43
